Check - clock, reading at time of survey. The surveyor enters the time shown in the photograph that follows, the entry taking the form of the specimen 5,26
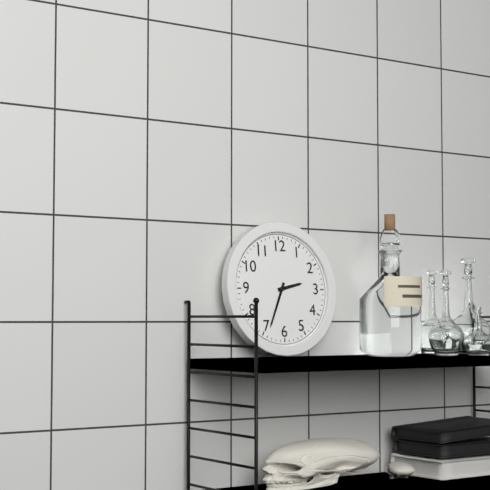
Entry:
2,34
